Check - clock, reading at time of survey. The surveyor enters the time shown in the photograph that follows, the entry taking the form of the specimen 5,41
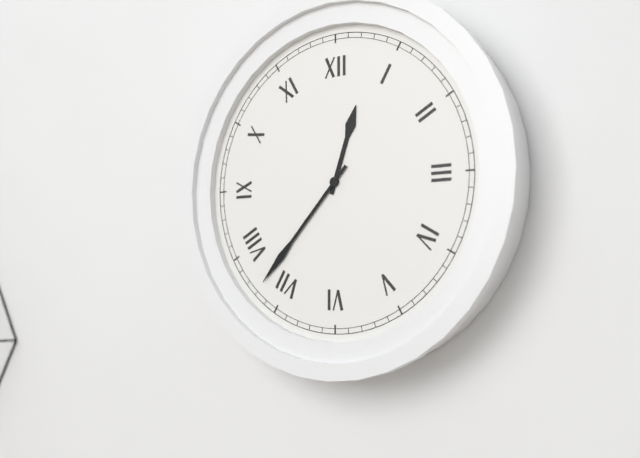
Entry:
12,37
